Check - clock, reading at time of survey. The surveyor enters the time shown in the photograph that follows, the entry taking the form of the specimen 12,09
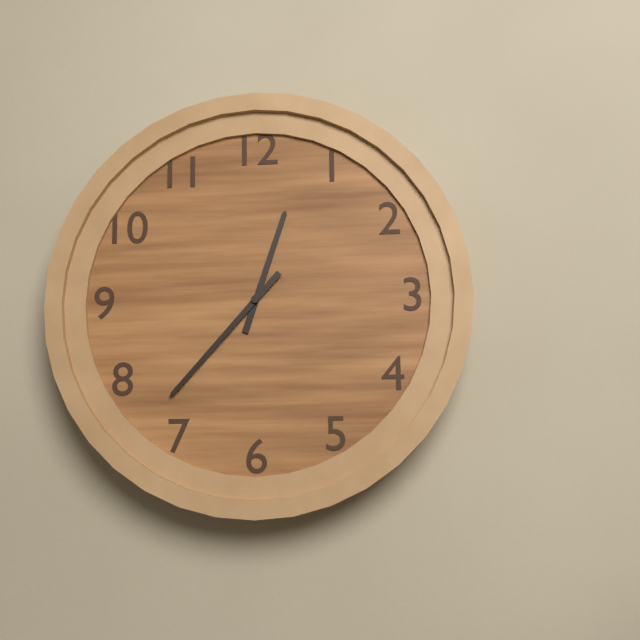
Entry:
12,37
